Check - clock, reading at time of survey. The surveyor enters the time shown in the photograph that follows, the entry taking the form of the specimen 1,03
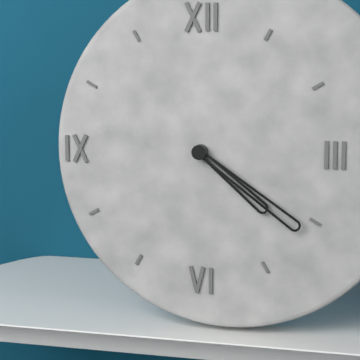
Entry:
4,21
